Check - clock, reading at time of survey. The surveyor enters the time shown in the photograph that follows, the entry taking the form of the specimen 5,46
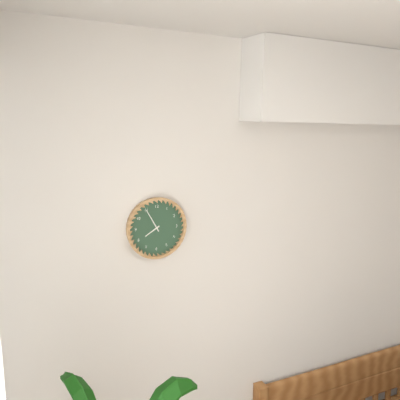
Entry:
7,55
